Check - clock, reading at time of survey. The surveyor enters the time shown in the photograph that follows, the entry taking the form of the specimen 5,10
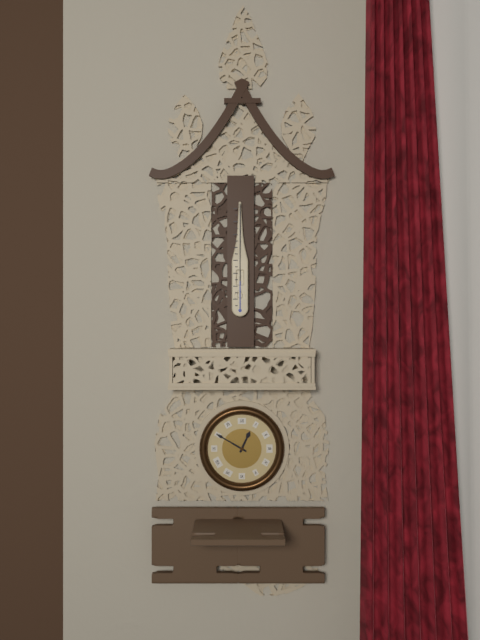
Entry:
12,50
